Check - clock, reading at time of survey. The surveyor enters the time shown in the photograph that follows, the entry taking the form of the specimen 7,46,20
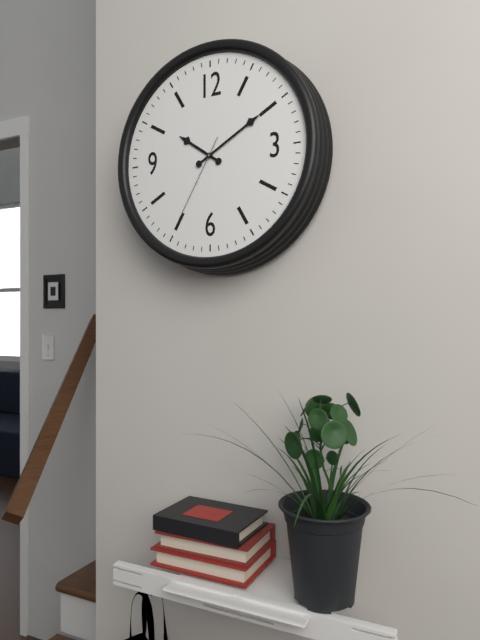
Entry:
10,10,35
